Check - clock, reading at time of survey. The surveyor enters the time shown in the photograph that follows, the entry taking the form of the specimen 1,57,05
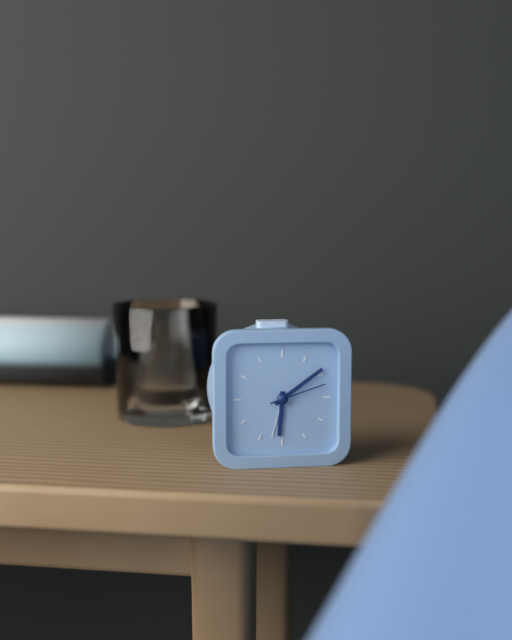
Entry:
6,09,12
